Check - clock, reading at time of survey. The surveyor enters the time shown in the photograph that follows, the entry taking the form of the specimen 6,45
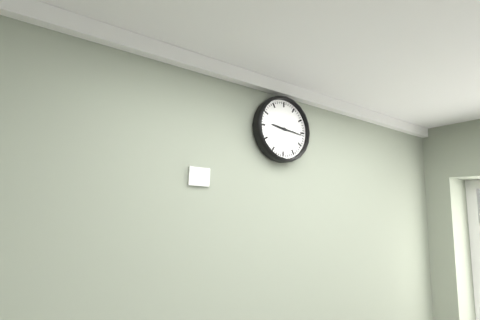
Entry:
9,16
